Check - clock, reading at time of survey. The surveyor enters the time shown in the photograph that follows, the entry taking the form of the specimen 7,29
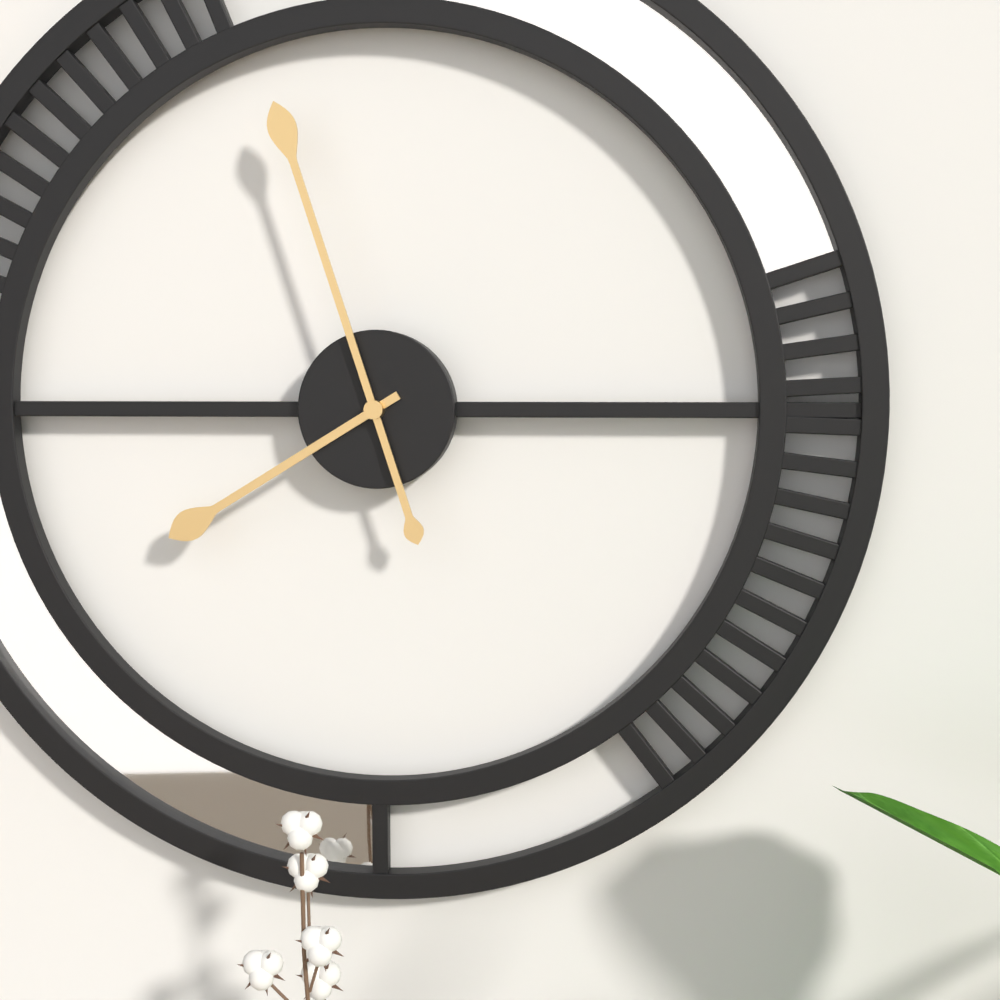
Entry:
7,57
